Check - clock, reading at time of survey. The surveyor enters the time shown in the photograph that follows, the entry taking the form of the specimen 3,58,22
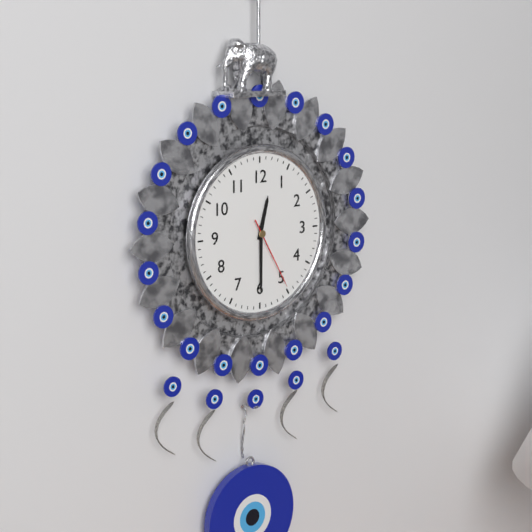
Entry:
12,30,25
